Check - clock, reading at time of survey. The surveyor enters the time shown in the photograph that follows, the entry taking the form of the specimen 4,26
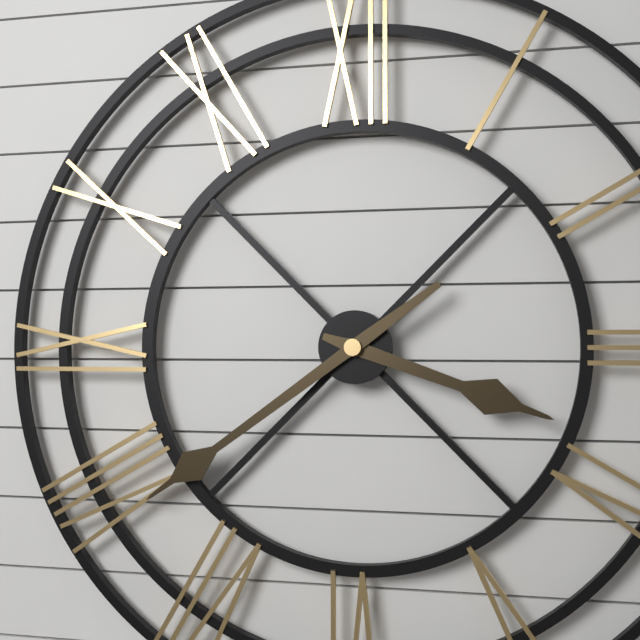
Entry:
3,39
